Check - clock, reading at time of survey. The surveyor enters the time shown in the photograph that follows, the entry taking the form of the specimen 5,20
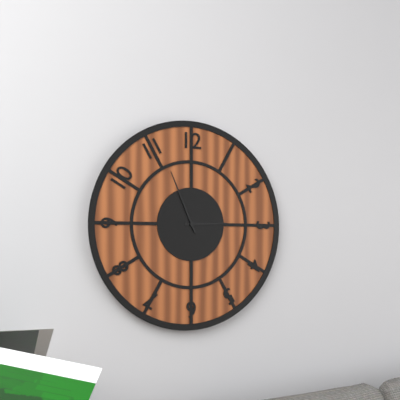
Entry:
2,56
